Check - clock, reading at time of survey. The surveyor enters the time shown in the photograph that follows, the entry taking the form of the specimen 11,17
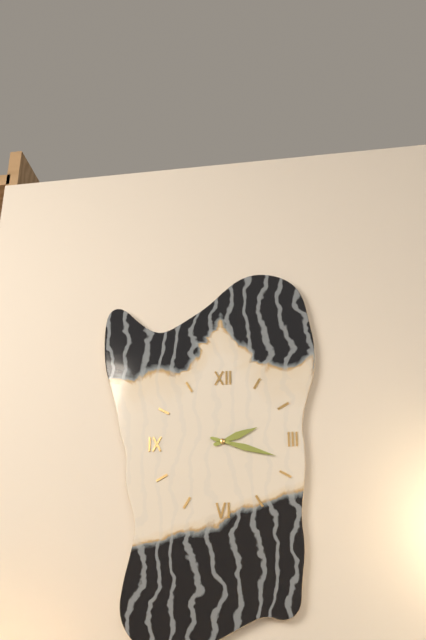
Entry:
2,18
